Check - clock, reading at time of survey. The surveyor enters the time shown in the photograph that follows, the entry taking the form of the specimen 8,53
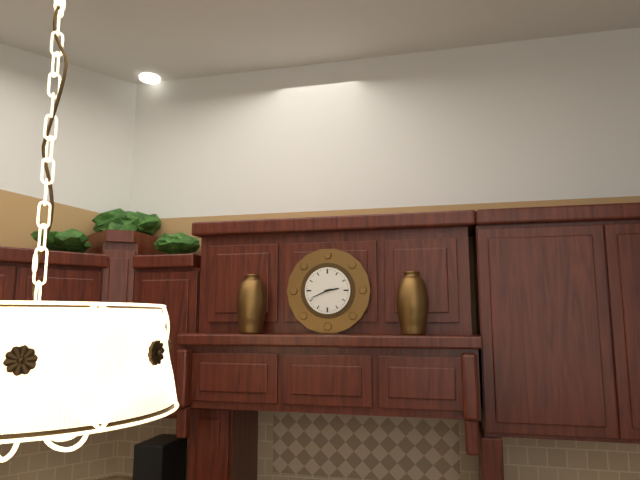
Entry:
2,41
